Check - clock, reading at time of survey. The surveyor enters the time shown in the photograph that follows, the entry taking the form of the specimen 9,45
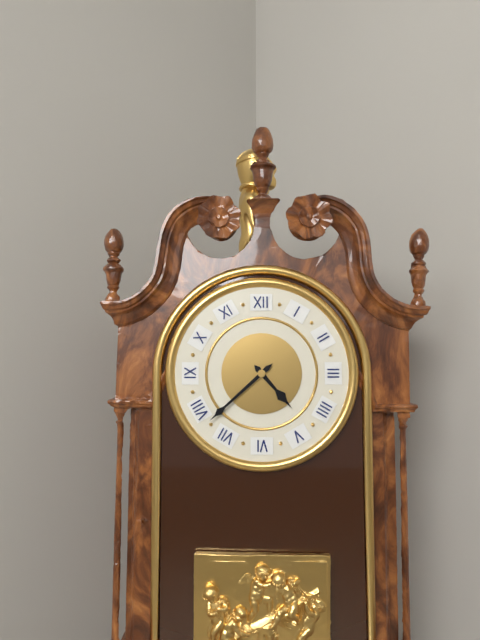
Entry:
4,38
